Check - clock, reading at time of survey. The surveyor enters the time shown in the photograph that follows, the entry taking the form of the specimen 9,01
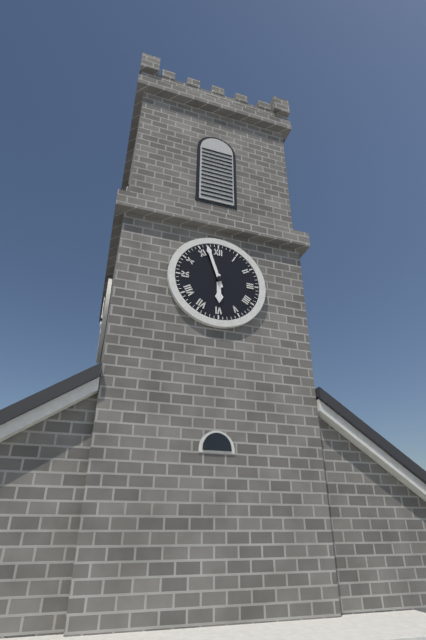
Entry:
5,57
